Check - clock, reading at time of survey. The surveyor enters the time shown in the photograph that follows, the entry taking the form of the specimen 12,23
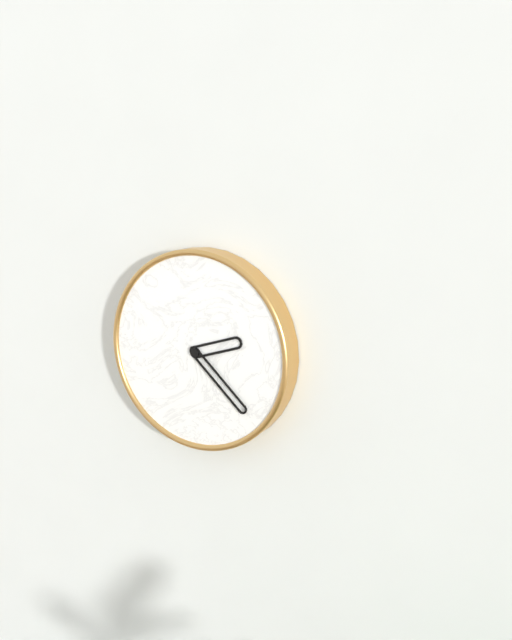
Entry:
2,22
